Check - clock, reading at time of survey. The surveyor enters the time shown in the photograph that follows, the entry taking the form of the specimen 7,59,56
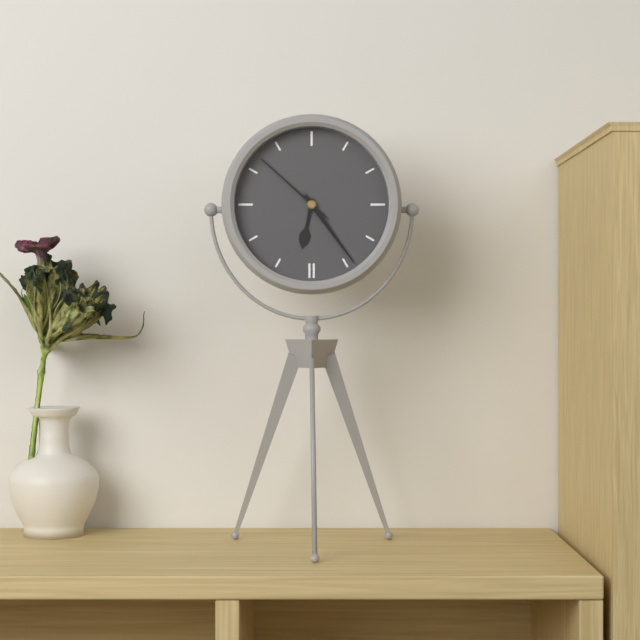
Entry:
6,24,52
